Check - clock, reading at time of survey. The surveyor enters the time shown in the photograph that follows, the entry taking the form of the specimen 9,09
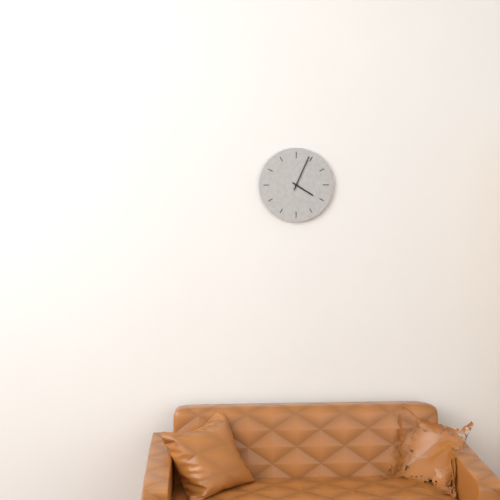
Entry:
4,04
